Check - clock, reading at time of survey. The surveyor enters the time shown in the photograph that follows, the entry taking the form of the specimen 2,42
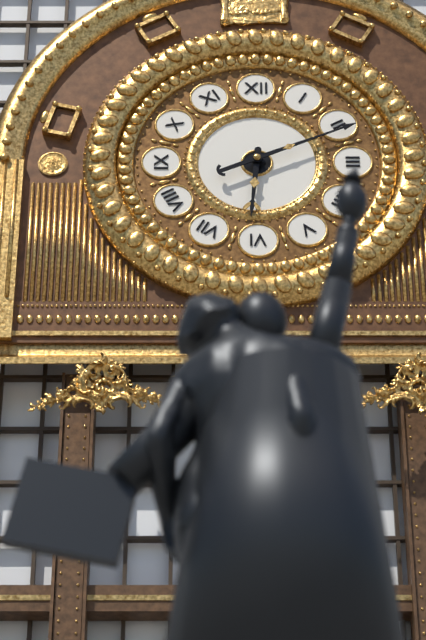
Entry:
6,11
